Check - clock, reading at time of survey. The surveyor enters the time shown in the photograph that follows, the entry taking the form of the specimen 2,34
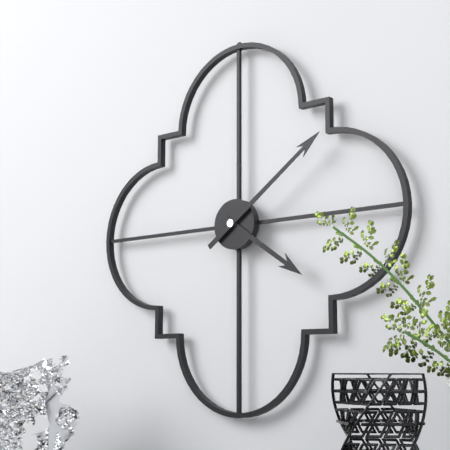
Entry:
4,09
